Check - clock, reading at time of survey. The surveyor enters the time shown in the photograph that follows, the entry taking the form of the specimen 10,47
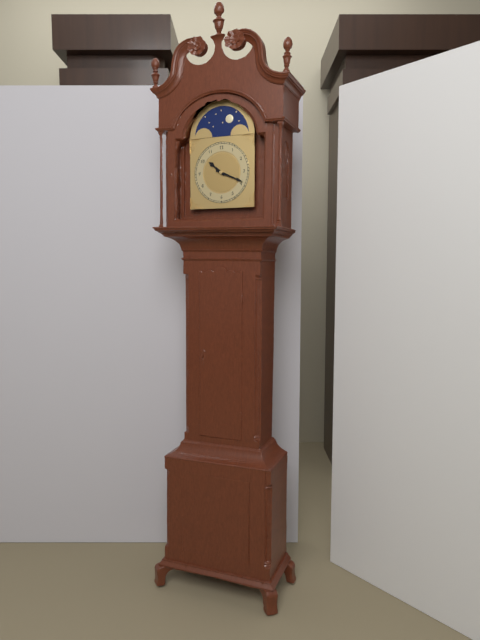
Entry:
10,19
